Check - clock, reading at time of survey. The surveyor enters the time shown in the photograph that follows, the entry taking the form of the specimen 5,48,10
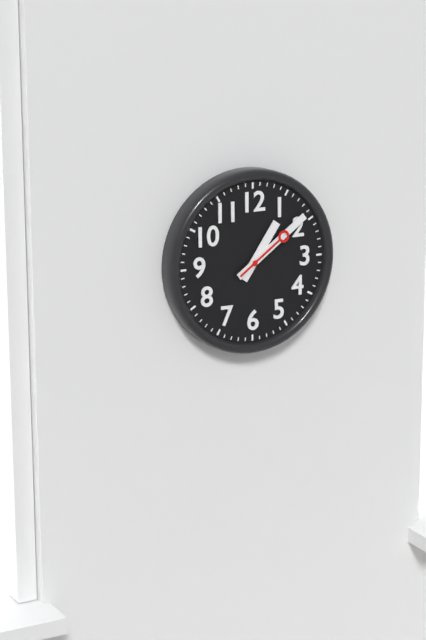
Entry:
1,09,09
